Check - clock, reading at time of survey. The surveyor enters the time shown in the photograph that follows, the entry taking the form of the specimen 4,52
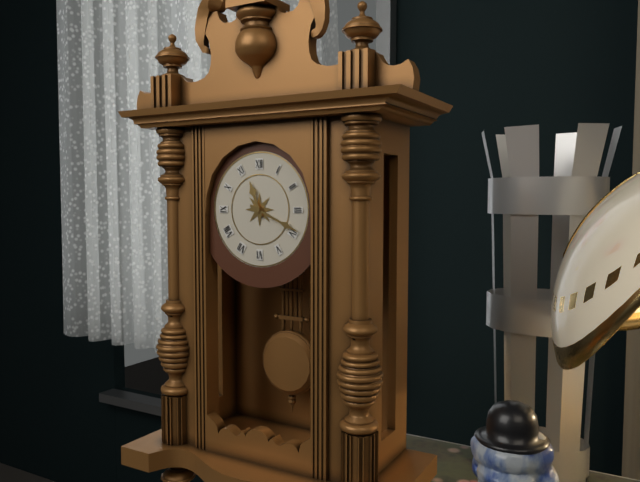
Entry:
11,19
